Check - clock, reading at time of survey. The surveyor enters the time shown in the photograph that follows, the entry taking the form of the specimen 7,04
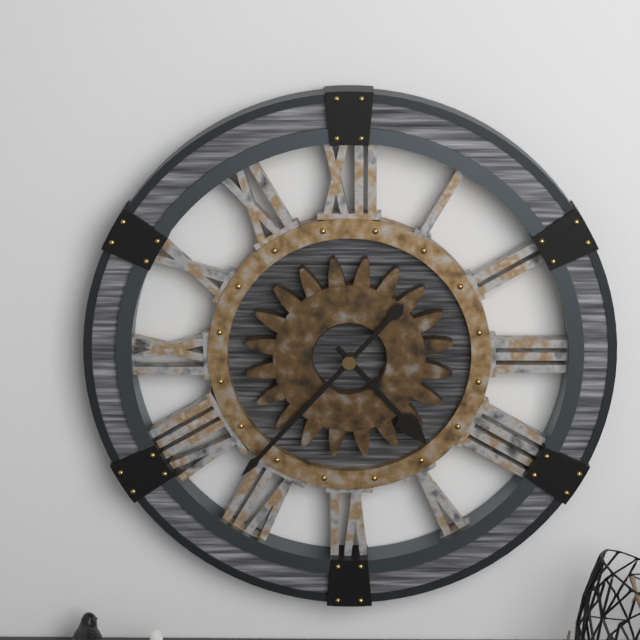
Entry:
4,37
